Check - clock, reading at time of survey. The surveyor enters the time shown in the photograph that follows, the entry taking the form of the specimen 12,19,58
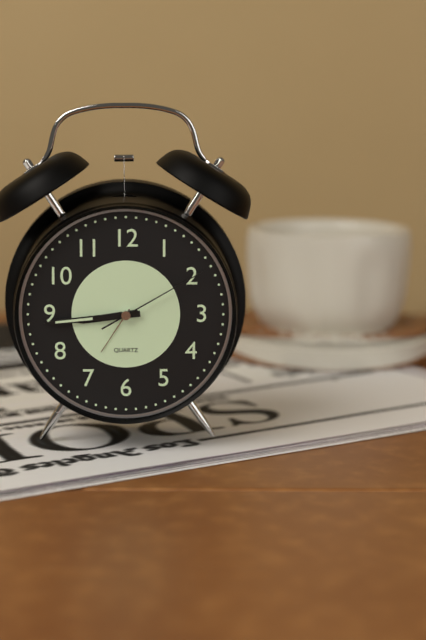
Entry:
8,44,10
